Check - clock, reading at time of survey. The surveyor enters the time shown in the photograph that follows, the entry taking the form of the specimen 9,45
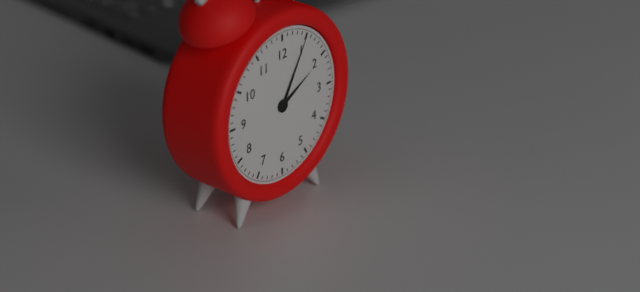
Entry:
2,05
